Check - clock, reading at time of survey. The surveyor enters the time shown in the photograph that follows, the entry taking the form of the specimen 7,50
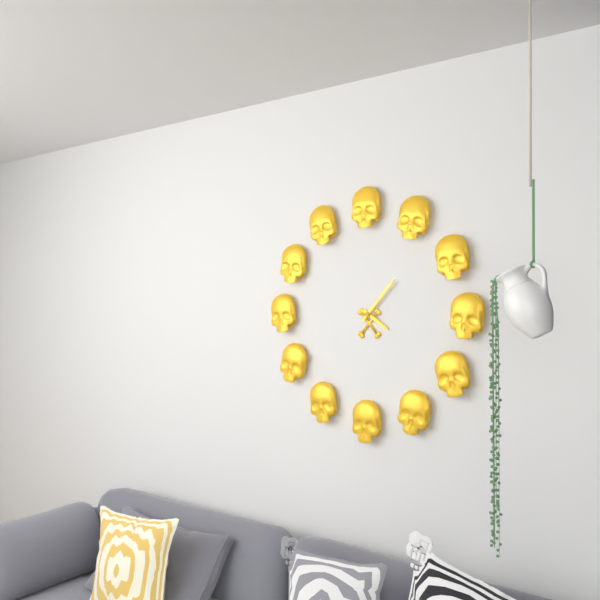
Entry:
4,07
